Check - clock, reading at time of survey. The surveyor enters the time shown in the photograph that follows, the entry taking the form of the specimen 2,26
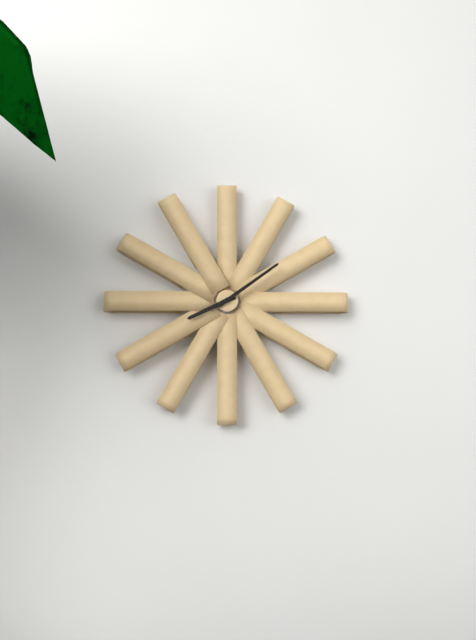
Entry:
8,09
